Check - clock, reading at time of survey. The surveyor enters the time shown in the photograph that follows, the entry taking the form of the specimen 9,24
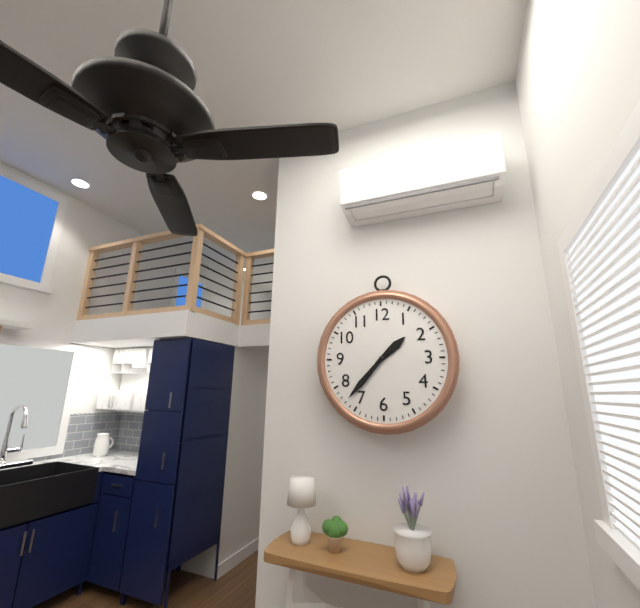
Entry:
1,37
